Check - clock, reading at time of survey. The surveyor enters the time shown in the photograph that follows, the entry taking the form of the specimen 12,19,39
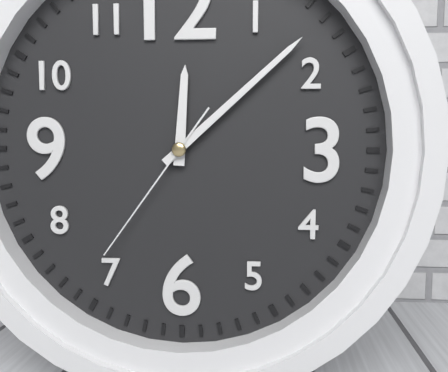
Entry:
12,08,36
